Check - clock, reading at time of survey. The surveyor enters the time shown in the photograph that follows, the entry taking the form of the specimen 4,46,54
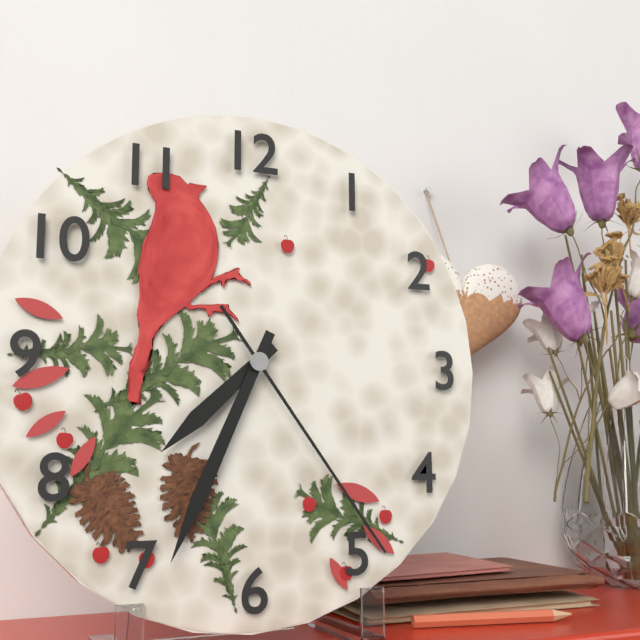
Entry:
7,34,24
